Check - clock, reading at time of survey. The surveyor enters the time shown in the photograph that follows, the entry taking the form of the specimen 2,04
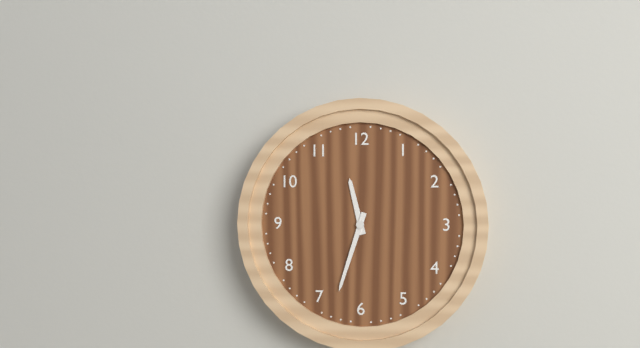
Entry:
11,33
